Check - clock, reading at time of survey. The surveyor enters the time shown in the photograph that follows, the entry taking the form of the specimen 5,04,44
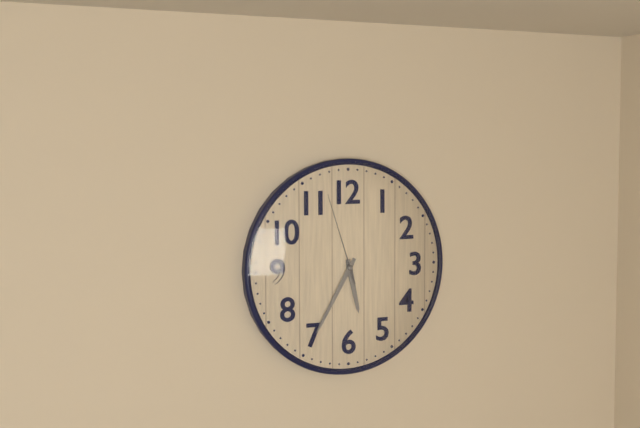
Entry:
5,35,57
